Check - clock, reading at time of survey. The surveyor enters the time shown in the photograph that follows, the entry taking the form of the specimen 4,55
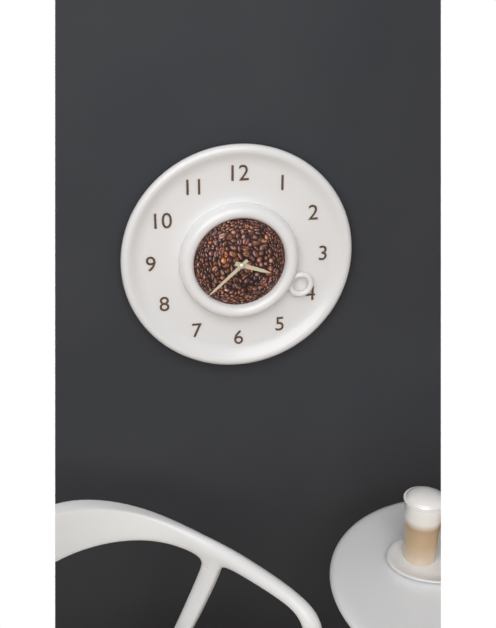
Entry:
3,38
